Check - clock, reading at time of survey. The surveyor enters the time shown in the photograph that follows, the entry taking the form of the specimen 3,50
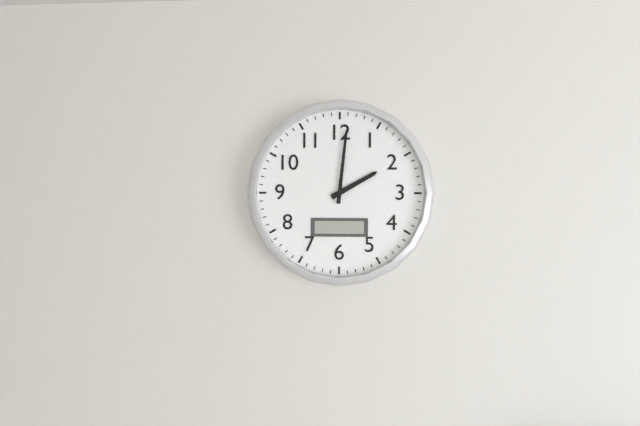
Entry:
2,01
